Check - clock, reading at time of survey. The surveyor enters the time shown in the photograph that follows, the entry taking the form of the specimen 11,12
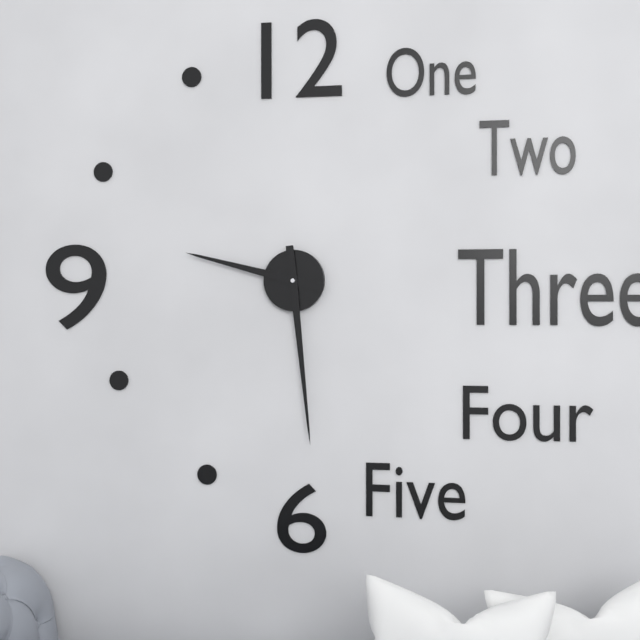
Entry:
9,29
